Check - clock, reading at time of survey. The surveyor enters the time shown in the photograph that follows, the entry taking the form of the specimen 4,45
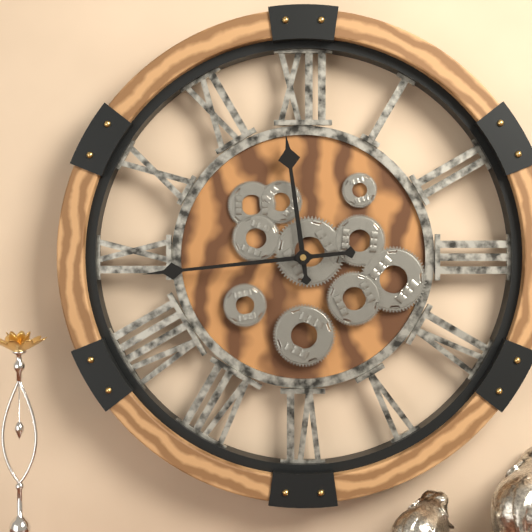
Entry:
11,44
